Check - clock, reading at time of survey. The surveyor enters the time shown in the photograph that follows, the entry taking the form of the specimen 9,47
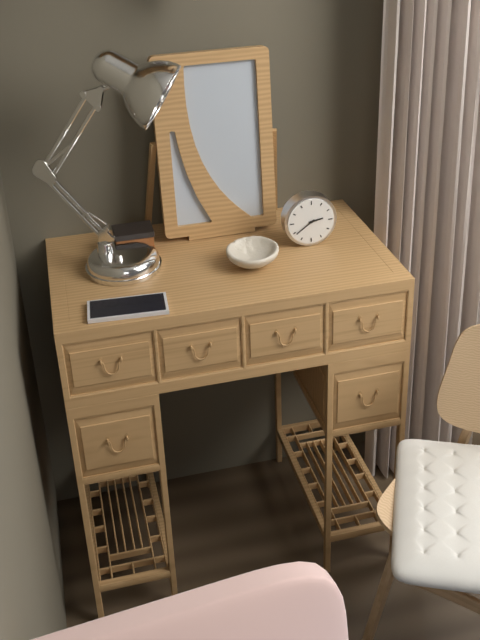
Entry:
2,39
